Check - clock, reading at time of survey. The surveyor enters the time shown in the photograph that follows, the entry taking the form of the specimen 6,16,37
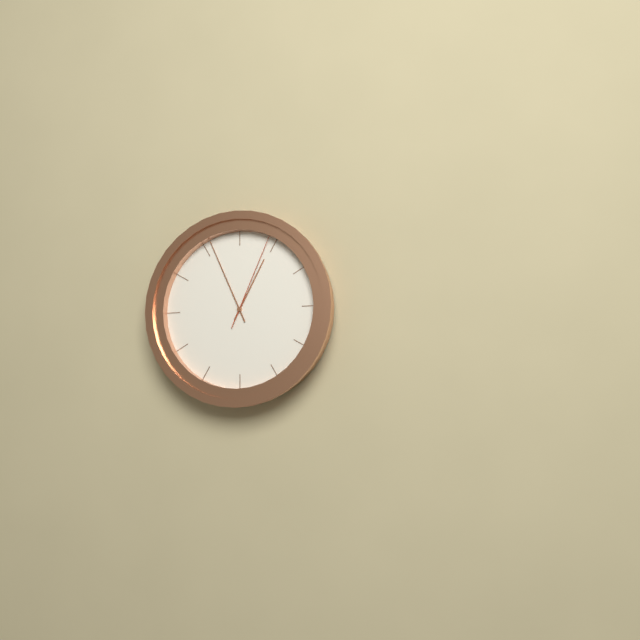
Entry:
12,56,04
